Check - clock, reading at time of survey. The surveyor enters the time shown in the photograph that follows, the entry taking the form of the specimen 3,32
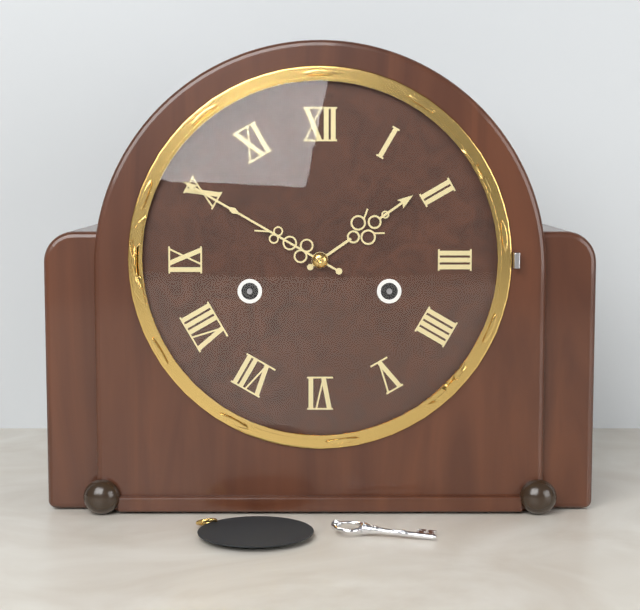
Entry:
1,50
